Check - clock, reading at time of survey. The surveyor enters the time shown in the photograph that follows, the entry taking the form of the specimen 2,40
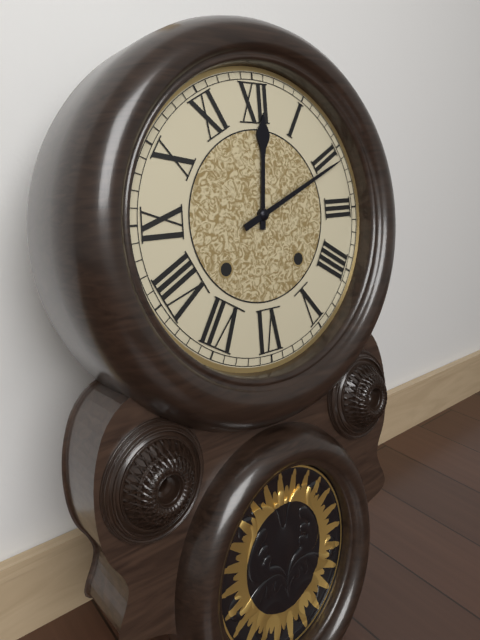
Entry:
12,11
